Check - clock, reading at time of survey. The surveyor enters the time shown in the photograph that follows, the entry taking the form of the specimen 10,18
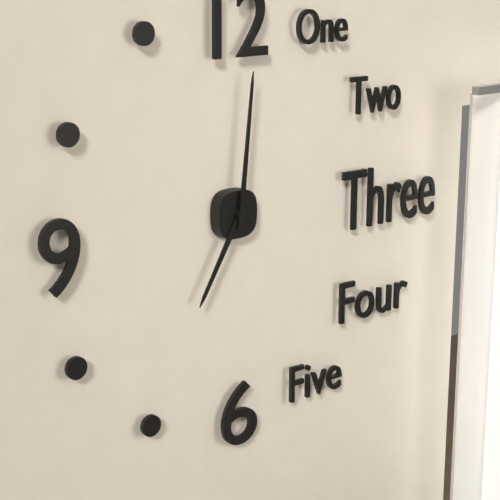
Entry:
7,01
